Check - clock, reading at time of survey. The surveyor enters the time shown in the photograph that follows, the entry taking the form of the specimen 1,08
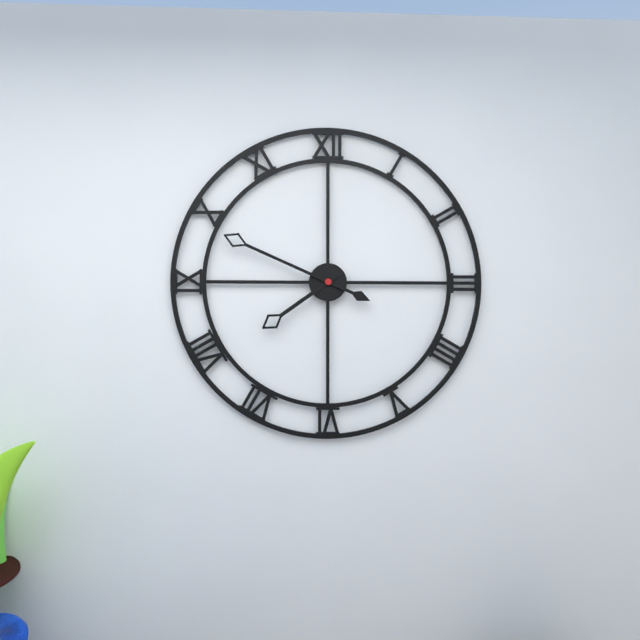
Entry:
7,49
